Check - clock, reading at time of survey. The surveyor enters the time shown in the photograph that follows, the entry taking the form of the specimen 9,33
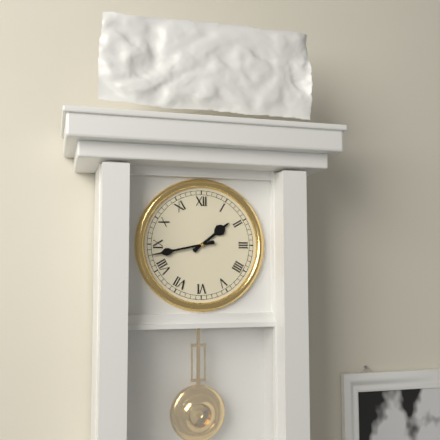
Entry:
1,43
